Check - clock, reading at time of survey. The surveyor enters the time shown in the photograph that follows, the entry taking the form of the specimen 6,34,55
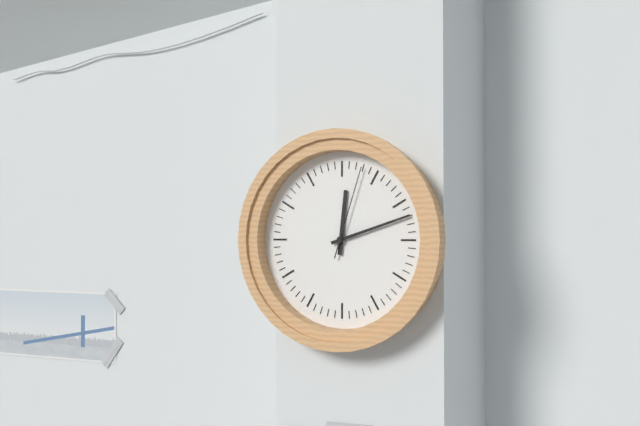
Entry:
12,12,03
